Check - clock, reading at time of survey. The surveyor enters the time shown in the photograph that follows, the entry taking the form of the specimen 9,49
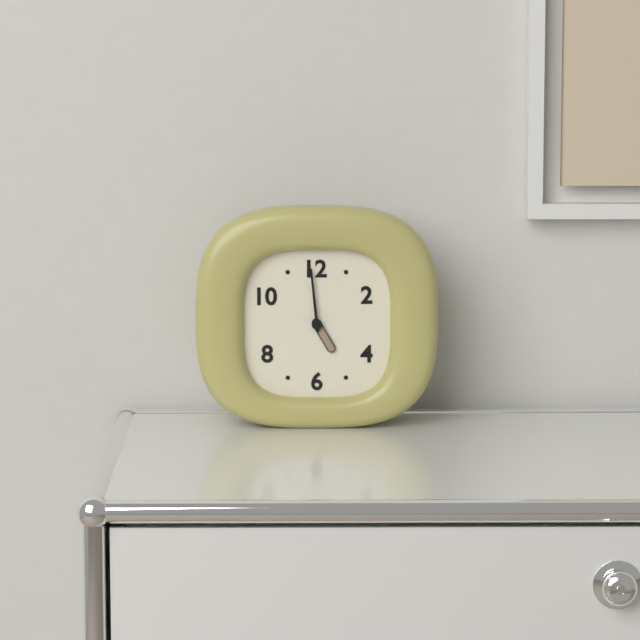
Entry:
4,59
